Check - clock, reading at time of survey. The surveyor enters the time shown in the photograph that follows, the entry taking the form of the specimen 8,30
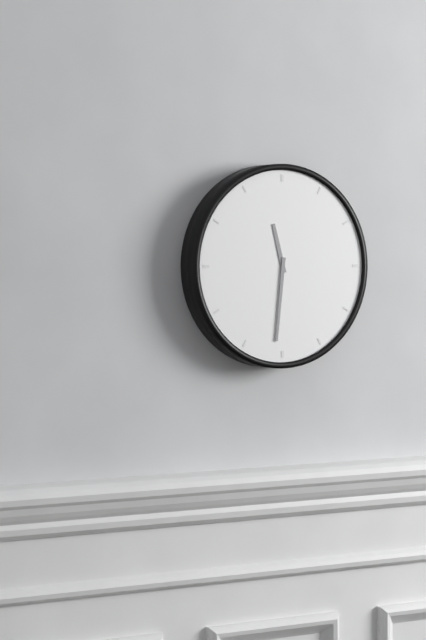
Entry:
11,31
